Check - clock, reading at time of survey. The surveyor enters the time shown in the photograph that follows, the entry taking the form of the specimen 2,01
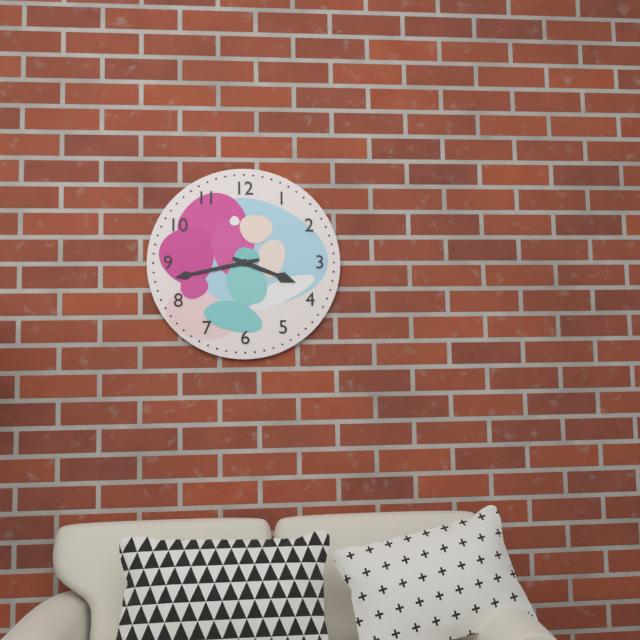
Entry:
3,43
